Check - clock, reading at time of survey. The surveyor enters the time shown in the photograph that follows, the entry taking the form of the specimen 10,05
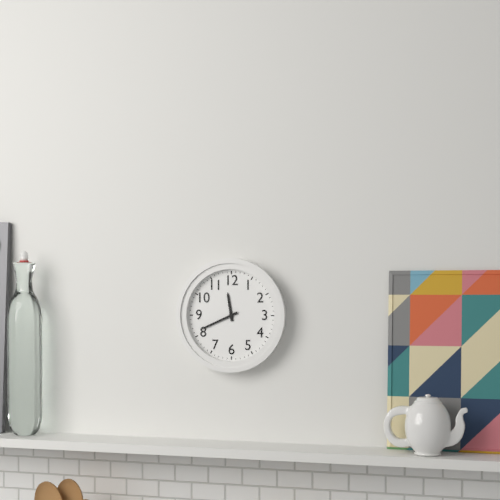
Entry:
11,41
